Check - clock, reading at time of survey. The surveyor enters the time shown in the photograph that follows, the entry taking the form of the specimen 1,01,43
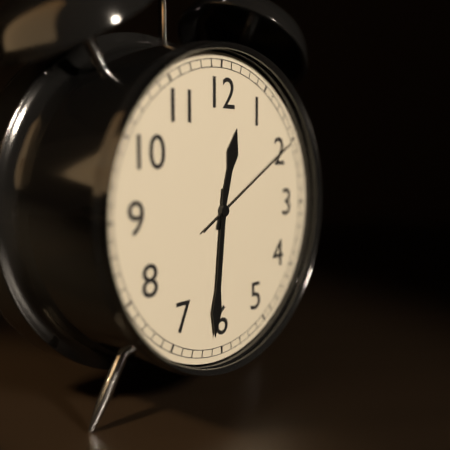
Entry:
12,31,10
